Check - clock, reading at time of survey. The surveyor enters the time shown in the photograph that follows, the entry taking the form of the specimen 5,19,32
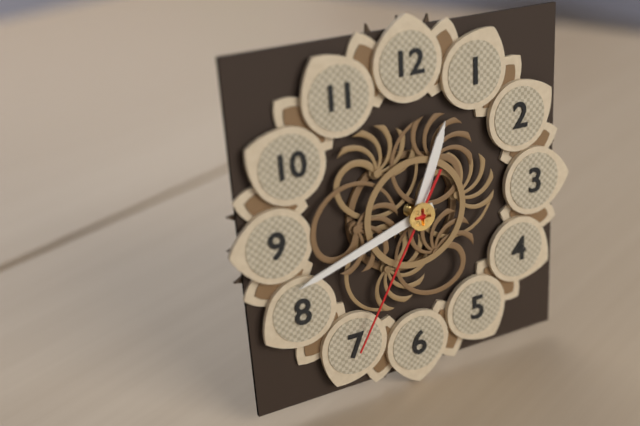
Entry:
12,42,35
